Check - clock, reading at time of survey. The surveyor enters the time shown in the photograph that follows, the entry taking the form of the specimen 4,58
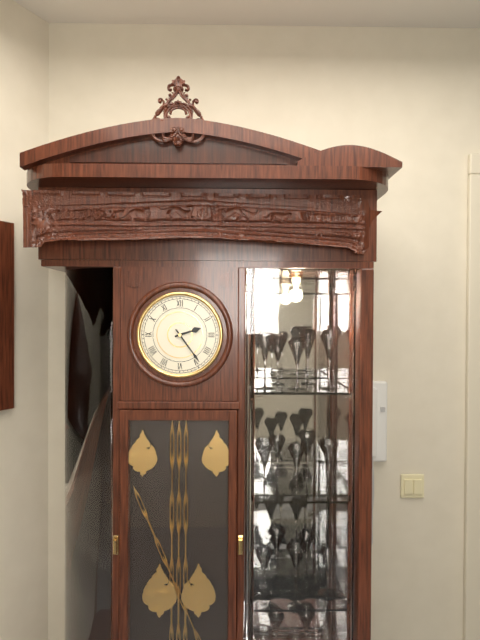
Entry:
2,24
